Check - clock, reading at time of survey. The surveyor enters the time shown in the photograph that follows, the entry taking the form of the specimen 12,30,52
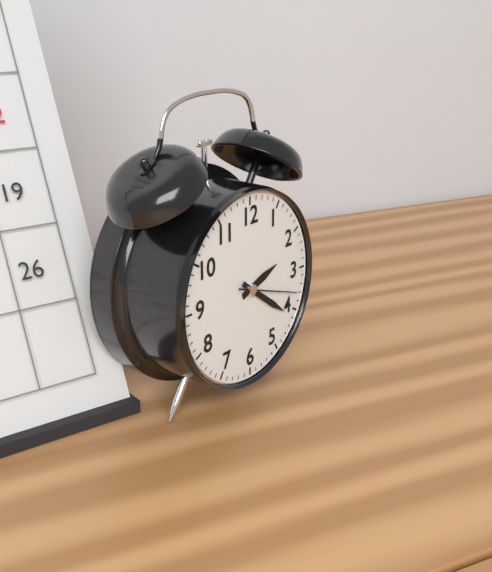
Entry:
2,21,18
